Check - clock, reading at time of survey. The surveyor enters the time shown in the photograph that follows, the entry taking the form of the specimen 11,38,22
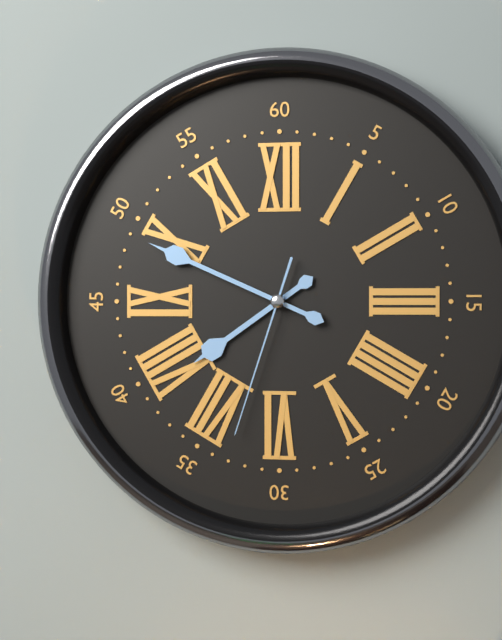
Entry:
7,49,33
